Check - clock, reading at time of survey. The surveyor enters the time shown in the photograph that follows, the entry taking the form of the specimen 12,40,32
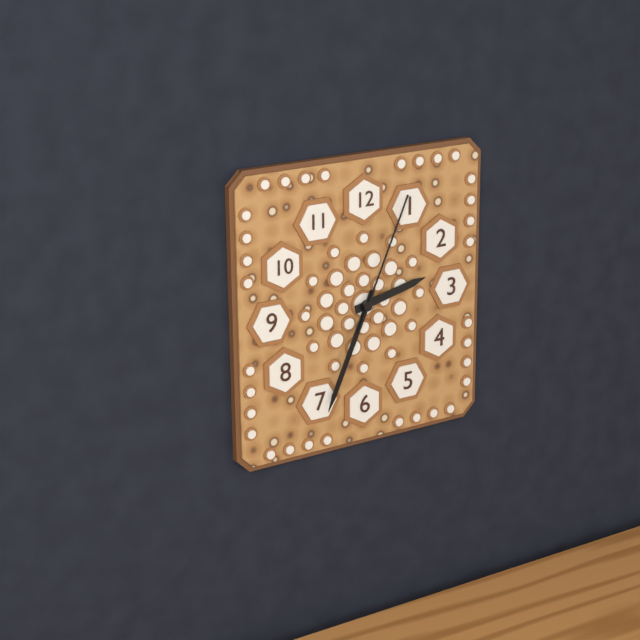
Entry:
2,34,04
